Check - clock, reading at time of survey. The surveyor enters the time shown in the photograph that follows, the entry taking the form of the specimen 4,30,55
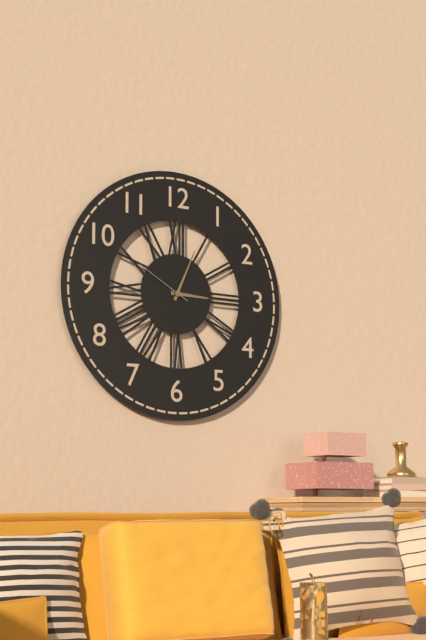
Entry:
3,04,50
